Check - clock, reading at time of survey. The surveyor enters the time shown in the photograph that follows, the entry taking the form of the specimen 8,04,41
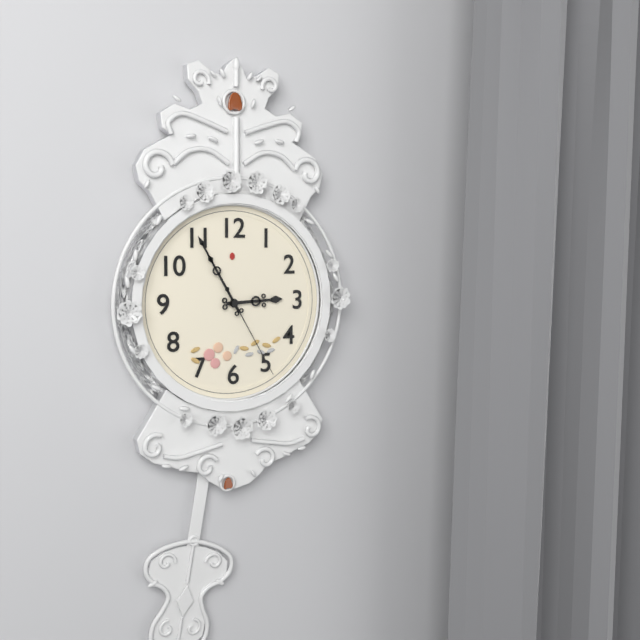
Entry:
2,55,25
